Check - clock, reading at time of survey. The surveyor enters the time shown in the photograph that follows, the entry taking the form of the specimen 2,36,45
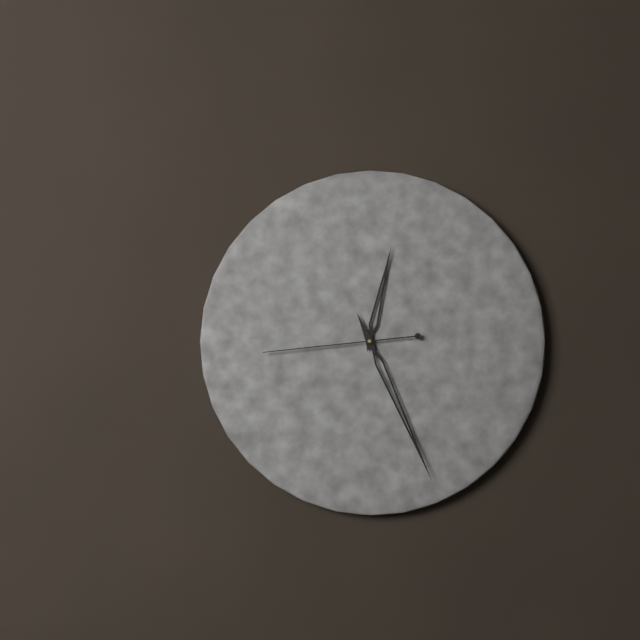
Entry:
12,26,44
